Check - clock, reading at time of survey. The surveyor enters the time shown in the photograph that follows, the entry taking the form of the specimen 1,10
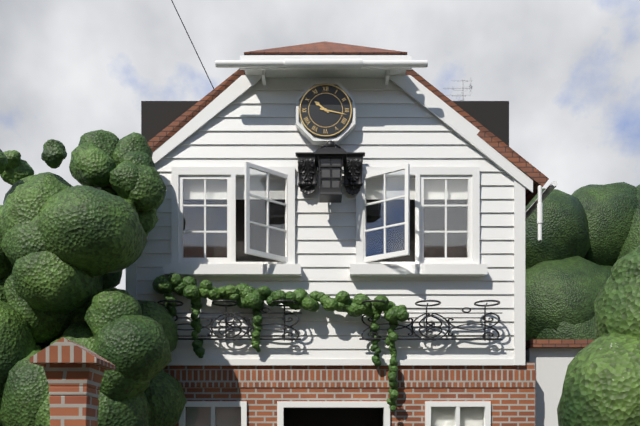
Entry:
10,17
